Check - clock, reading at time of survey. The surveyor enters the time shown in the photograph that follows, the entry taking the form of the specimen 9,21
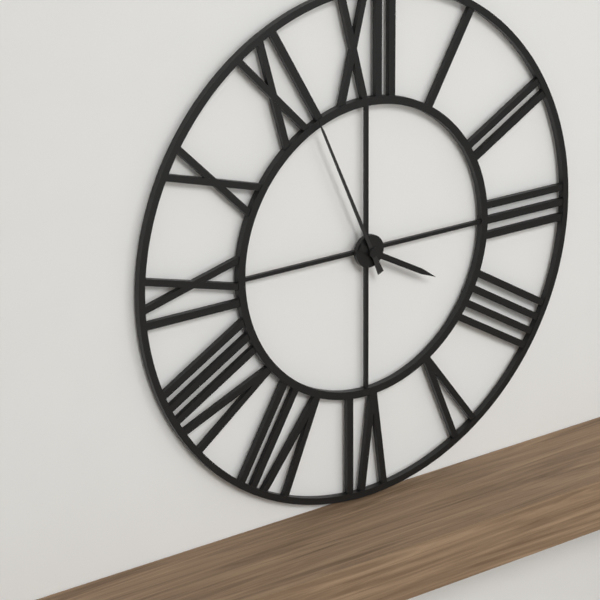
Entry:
3,56
